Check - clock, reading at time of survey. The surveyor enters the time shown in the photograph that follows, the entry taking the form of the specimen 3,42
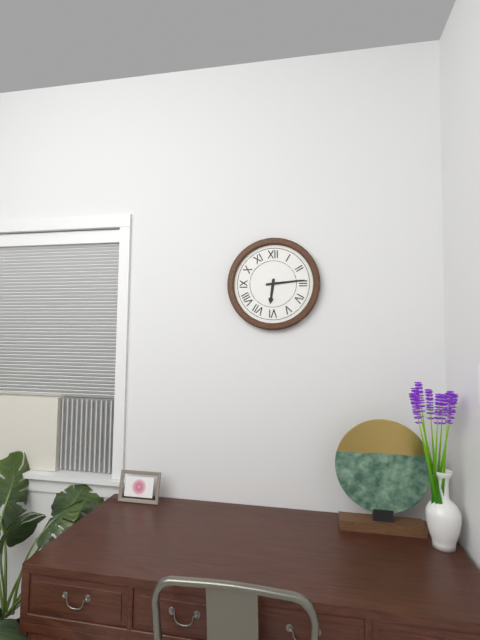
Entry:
6,14
